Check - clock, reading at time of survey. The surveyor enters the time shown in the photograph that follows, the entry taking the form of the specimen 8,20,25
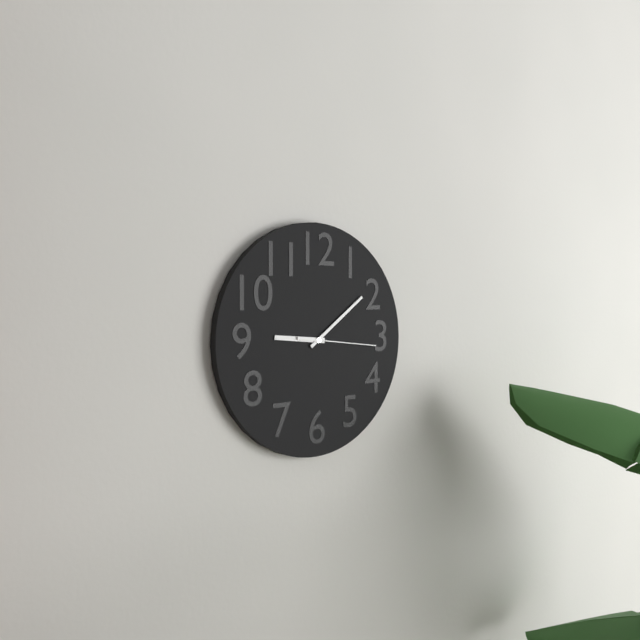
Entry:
9,09,16
